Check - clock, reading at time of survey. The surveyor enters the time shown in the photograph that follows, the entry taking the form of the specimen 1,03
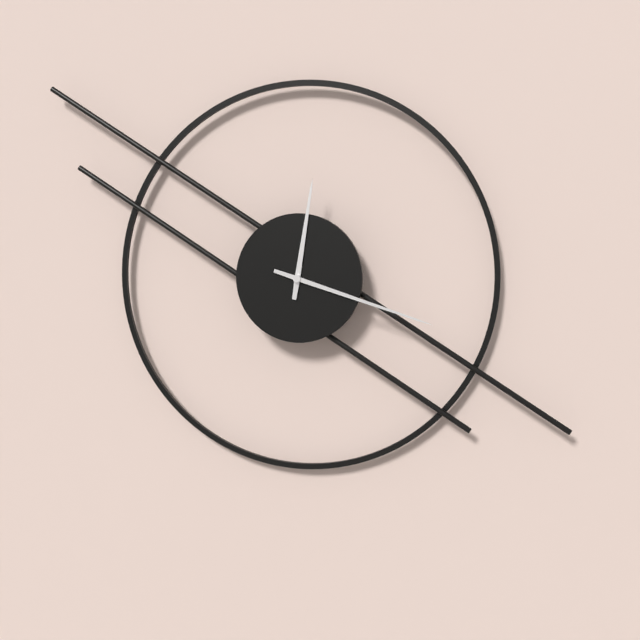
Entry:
12,18
